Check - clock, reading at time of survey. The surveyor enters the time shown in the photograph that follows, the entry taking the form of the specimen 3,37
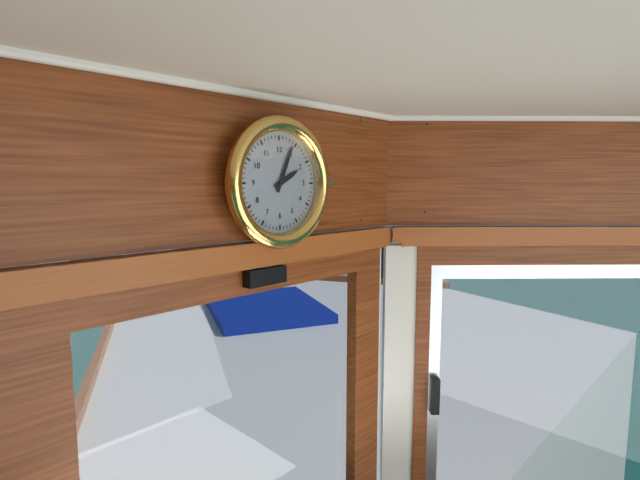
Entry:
2,04
